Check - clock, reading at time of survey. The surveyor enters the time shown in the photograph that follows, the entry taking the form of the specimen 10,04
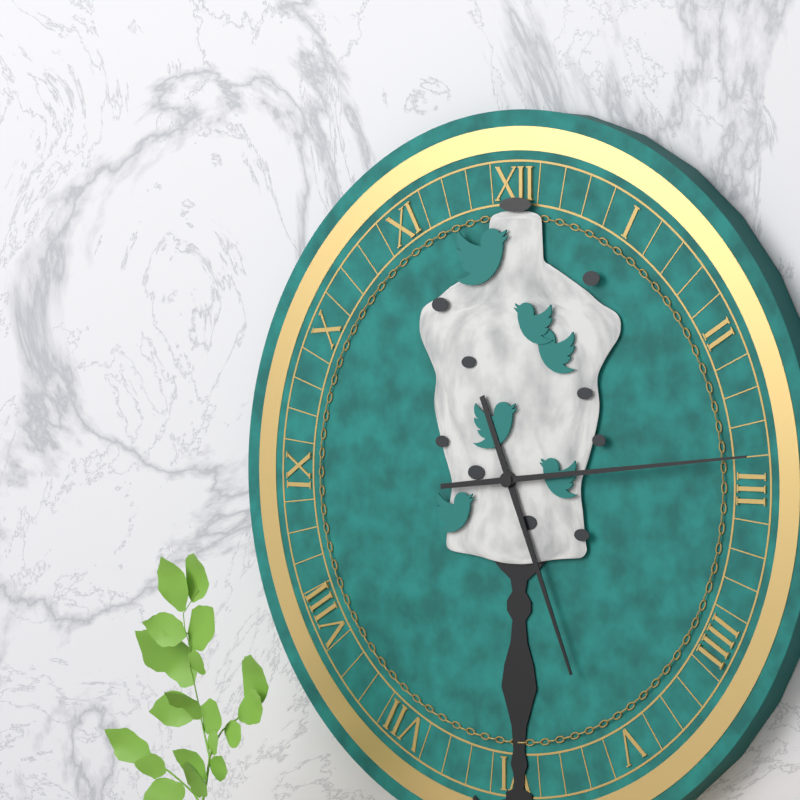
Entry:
5,14
